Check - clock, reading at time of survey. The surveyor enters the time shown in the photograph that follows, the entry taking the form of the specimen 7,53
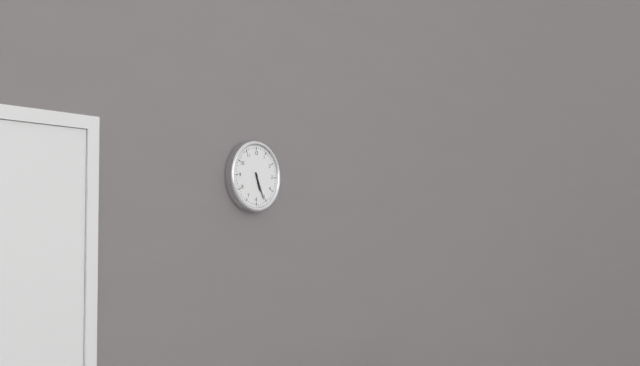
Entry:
5,26
